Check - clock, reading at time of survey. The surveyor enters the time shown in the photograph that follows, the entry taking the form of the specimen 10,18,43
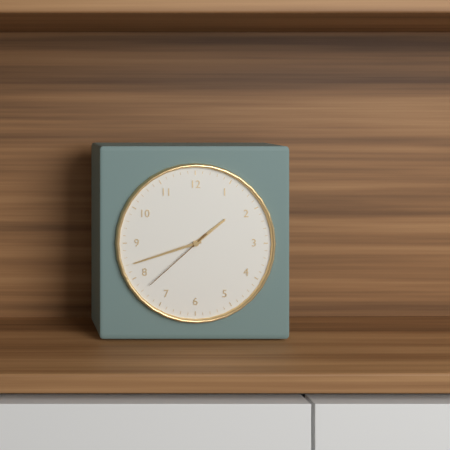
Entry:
1,42,38
